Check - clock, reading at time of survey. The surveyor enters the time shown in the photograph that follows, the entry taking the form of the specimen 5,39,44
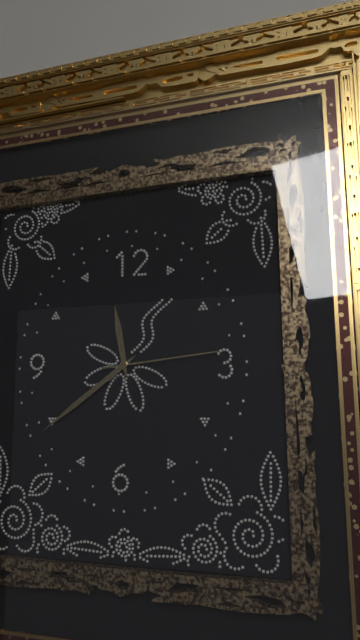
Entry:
11,39,14
